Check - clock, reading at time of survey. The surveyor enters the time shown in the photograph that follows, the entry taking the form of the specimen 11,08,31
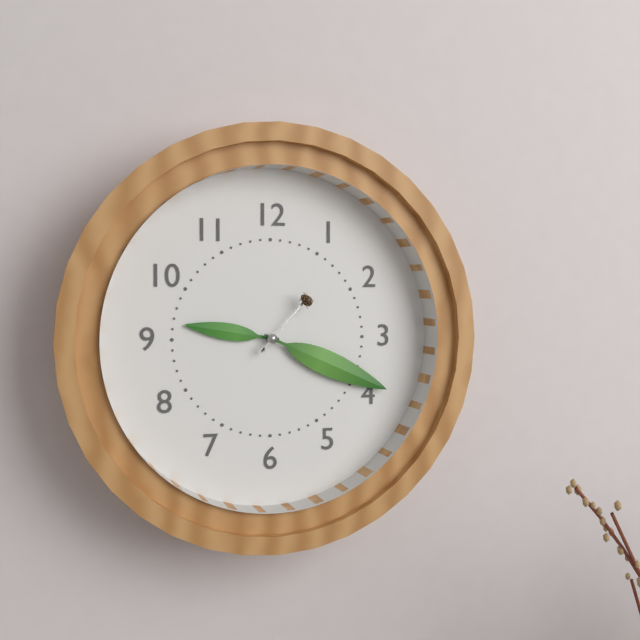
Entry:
9,19,07
